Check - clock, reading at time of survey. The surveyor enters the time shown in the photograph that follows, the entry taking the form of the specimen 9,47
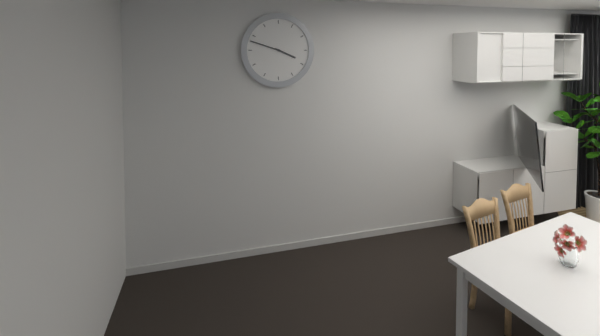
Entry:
3,48
